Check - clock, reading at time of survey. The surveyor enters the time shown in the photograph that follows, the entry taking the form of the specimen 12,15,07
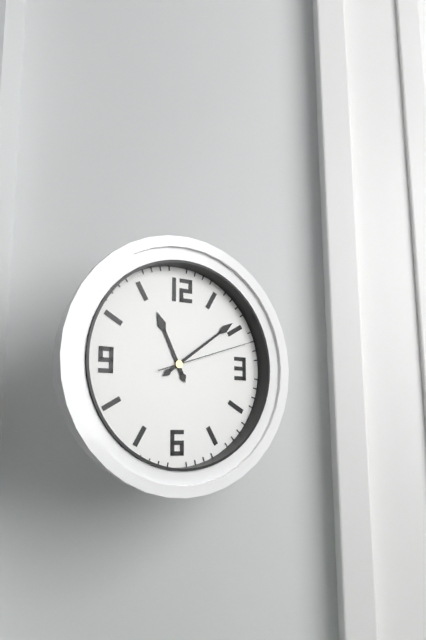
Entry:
11,09,12
